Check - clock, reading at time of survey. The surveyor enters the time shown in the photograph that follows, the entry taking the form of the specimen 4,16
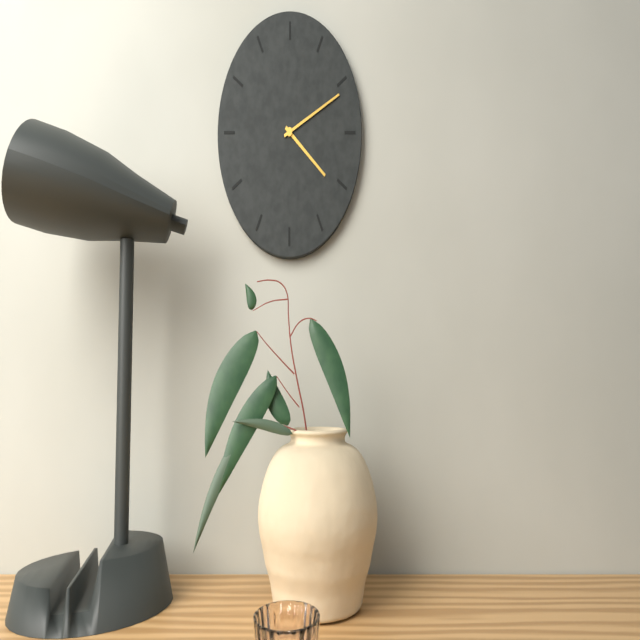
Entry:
4,11
